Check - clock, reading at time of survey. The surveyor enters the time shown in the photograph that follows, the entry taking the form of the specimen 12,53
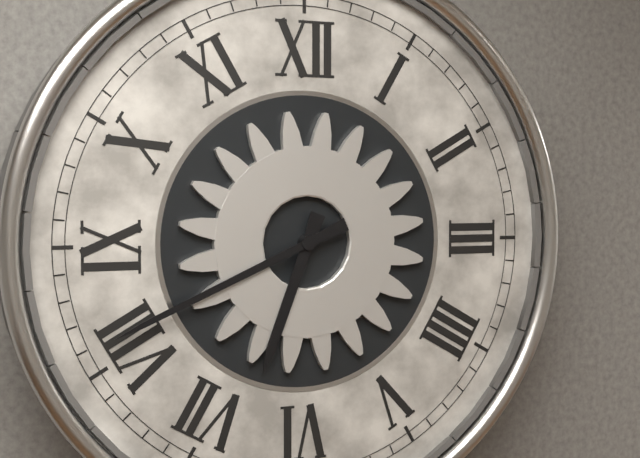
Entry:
6,41
